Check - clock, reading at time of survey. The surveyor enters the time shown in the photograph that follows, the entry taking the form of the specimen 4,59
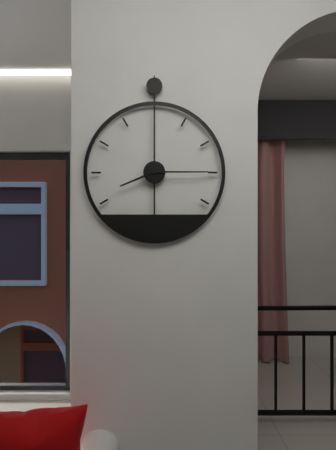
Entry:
8,15
